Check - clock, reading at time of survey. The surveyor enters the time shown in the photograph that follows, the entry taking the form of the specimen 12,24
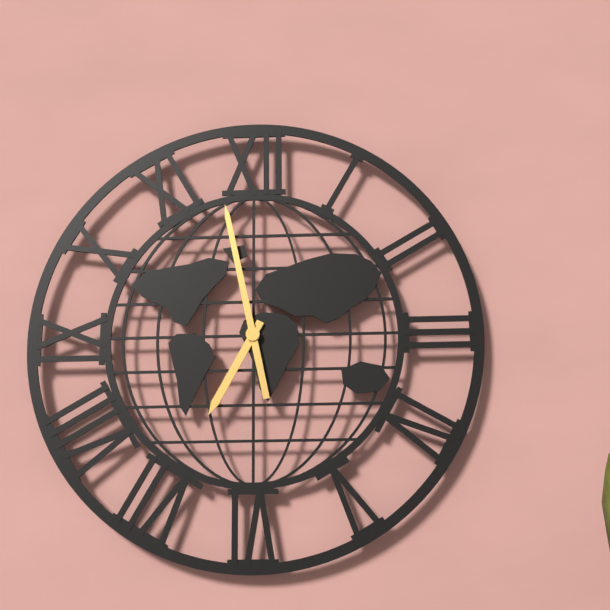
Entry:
6,58
